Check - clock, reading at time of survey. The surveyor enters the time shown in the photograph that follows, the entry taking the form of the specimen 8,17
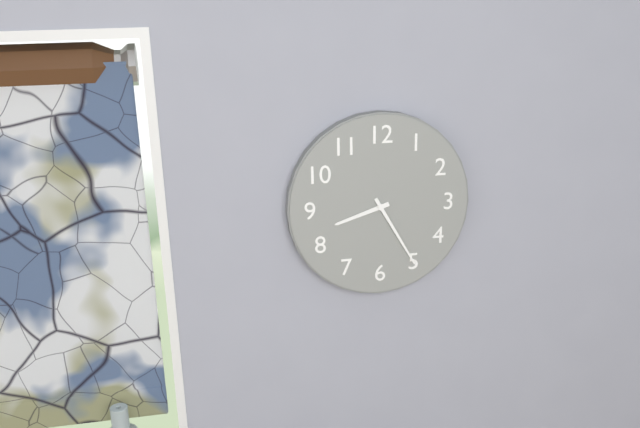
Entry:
8,25
